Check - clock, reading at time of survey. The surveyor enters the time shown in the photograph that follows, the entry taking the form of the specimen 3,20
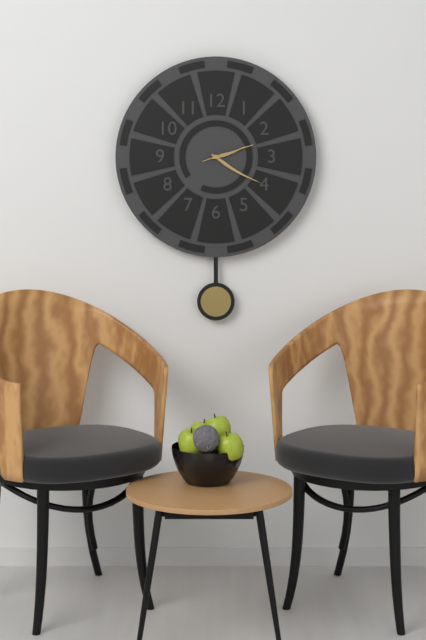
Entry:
2,20
